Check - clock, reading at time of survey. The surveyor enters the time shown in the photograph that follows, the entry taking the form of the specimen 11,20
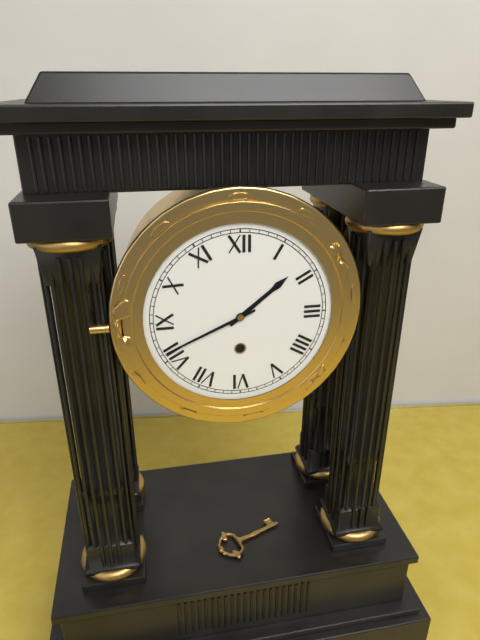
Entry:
1,41
